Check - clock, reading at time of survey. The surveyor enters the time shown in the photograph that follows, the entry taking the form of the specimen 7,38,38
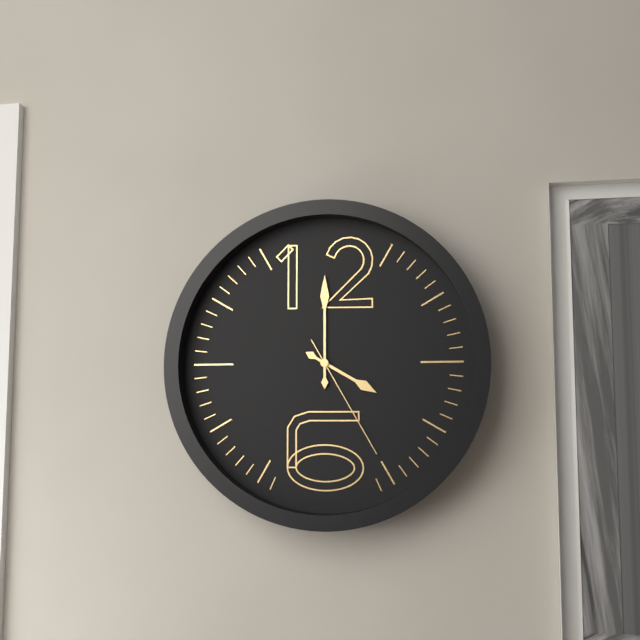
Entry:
4,00,25
